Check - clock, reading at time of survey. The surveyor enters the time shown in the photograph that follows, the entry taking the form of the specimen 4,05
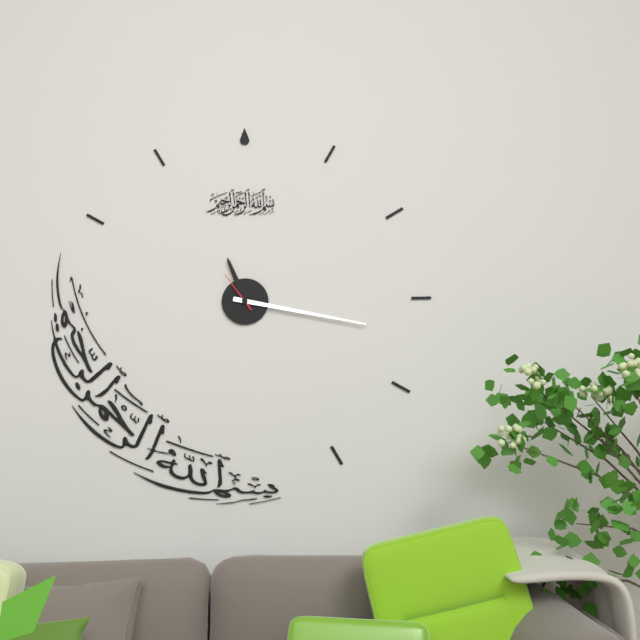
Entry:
11,17
